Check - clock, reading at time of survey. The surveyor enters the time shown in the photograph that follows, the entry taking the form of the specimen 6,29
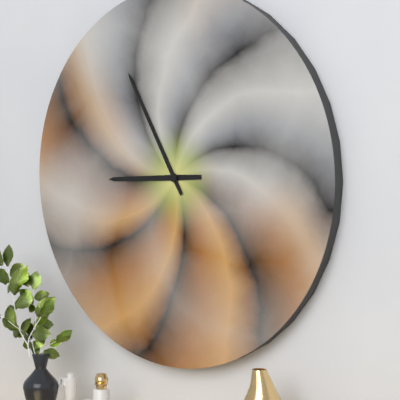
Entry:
8,55
